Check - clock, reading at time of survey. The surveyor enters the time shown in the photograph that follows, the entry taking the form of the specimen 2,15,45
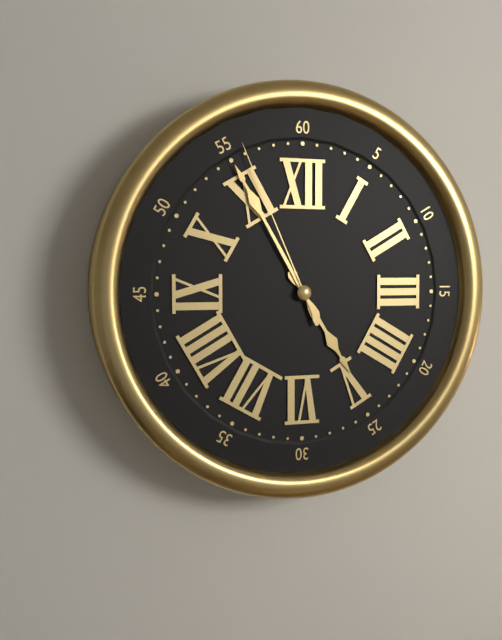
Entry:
4,55,56
